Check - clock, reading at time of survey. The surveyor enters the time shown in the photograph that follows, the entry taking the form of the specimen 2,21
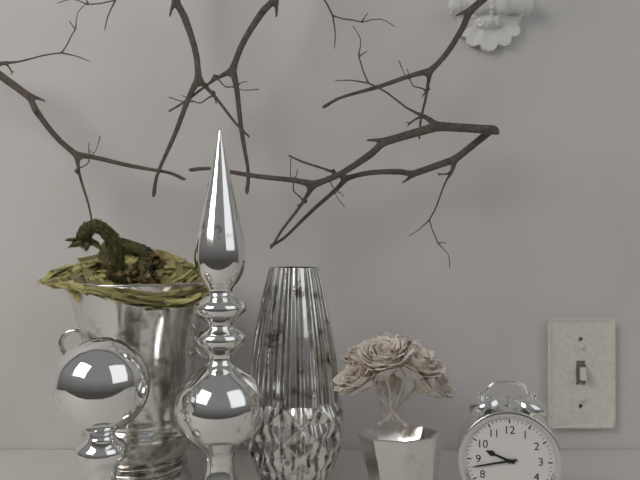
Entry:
9,43
